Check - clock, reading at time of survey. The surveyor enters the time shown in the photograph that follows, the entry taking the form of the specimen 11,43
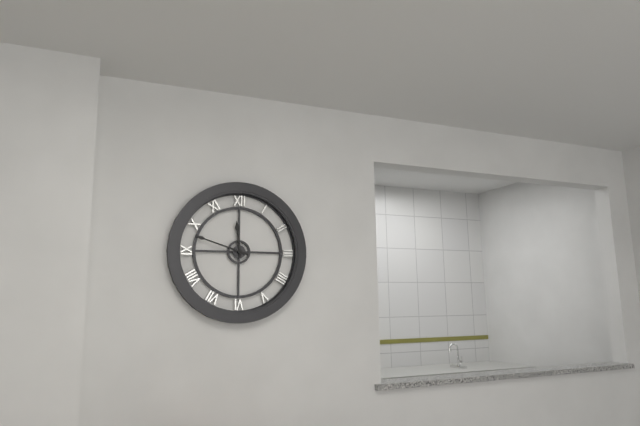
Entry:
11,48
